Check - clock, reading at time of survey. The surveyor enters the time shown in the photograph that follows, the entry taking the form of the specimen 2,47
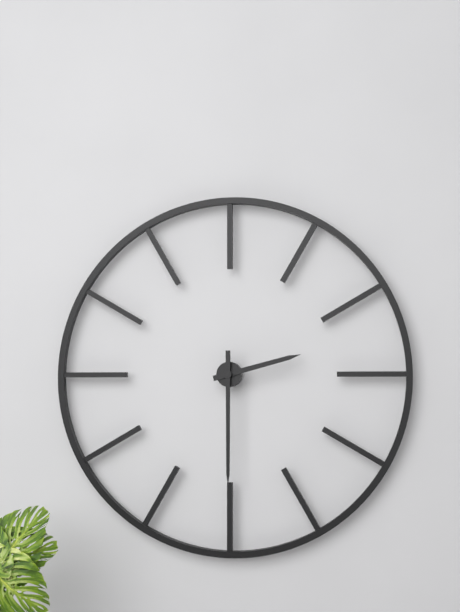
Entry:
2,30
